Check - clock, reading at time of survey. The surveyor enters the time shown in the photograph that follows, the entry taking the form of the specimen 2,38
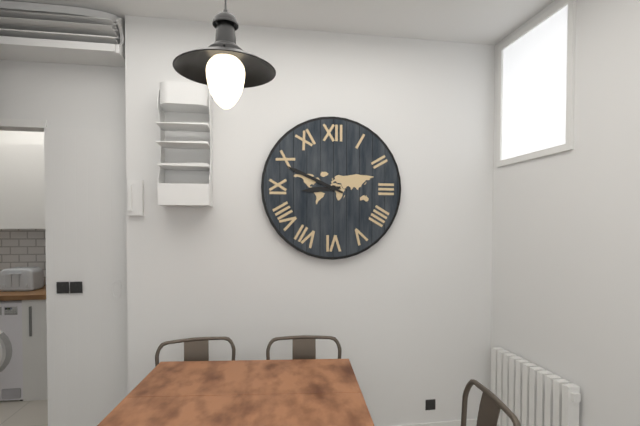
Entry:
8,49
